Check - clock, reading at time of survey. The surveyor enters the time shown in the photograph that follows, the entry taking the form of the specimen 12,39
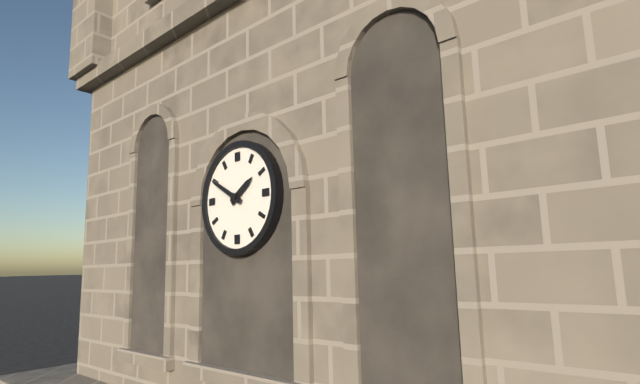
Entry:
1,50
